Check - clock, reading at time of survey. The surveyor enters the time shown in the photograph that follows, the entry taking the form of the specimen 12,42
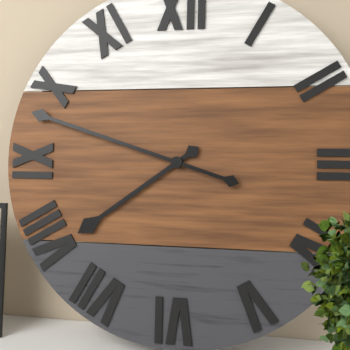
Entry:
7,48
